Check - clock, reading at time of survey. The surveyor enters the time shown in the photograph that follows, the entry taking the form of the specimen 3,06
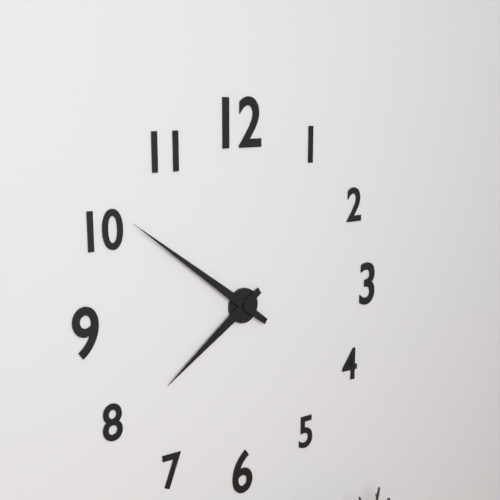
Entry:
7,51
